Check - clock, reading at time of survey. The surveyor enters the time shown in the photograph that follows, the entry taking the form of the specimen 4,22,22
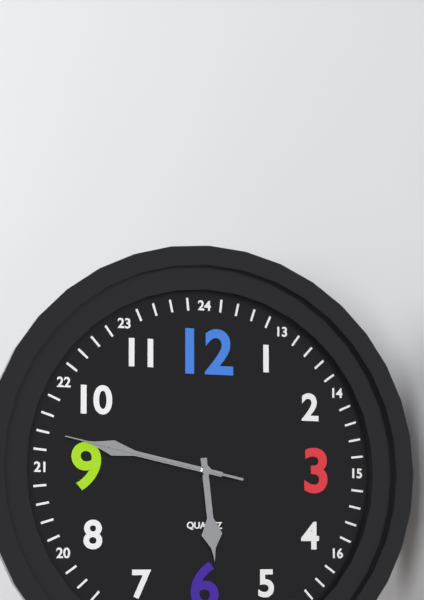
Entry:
5,47,47
